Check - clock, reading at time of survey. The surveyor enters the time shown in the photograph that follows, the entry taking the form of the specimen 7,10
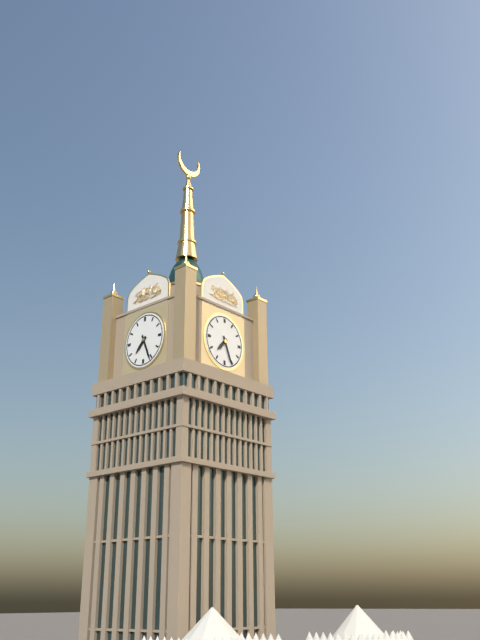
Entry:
7,26
